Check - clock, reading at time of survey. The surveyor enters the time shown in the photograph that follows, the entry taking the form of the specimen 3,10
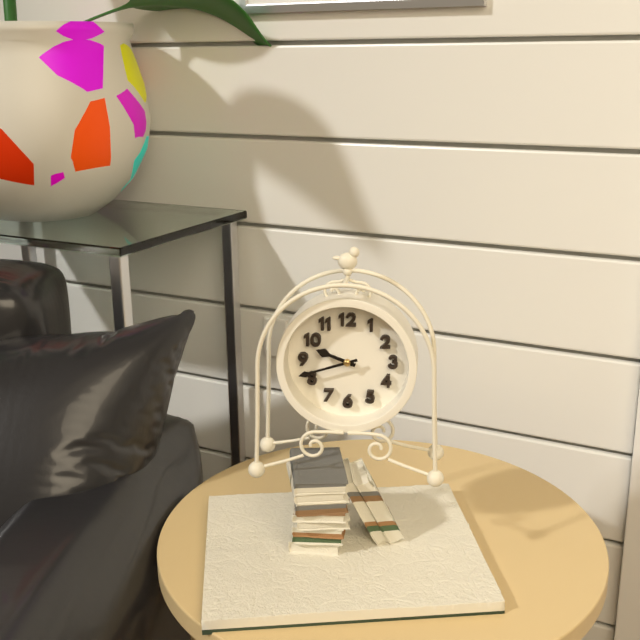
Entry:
9,42
